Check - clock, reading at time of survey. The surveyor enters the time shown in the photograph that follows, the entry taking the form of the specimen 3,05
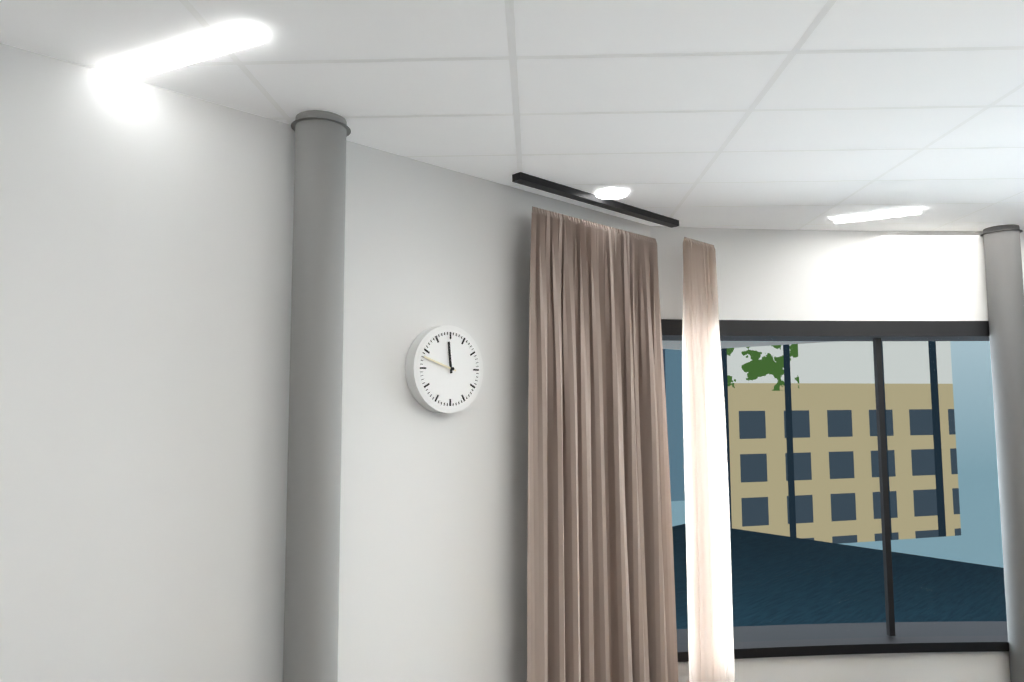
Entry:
11,48
